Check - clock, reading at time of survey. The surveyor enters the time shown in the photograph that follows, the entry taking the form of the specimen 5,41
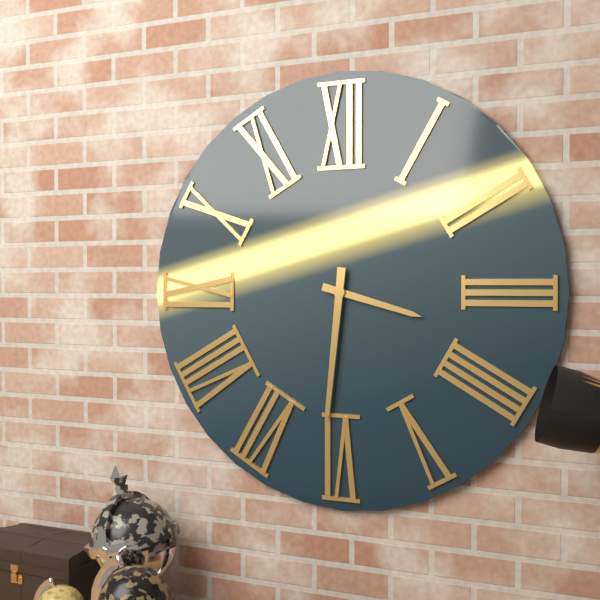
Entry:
3,31
